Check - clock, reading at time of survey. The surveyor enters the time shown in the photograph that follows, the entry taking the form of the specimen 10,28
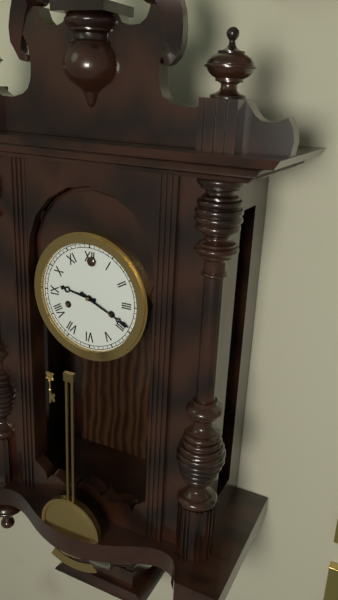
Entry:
9,19
